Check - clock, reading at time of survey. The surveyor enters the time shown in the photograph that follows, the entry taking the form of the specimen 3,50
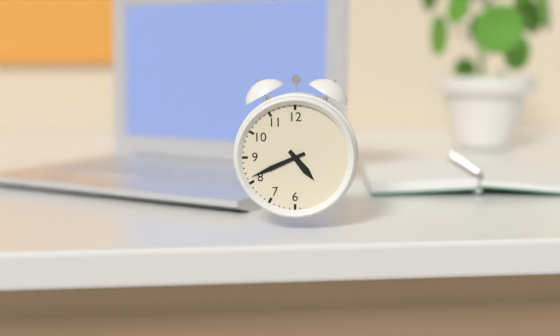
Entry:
4,41
